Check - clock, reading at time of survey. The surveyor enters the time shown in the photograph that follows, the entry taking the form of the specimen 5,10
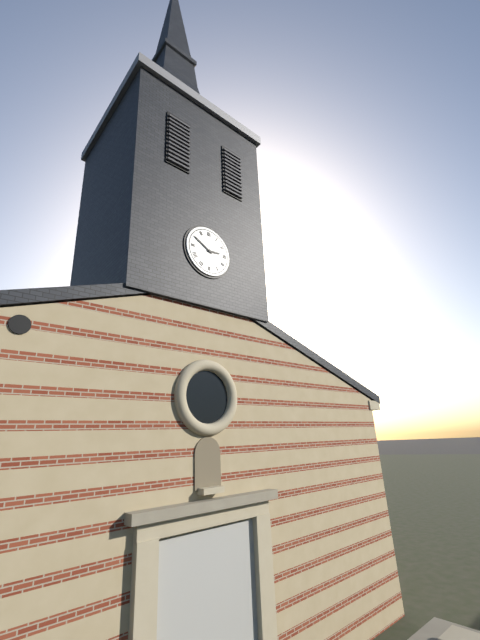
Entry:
2,50
